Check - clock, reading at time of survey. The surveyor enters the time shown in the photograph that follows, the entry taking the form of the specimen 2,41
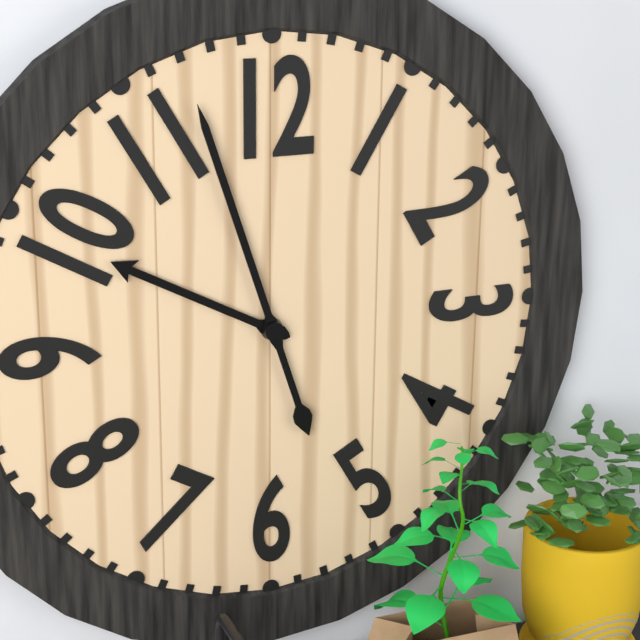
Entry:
9,57
